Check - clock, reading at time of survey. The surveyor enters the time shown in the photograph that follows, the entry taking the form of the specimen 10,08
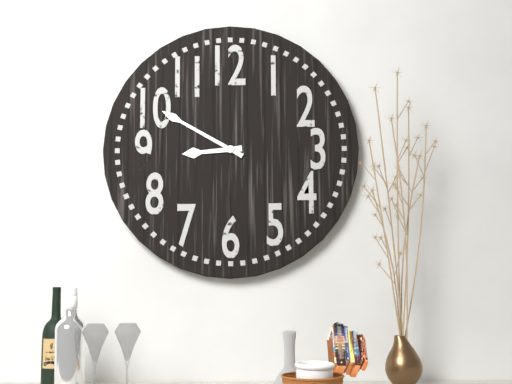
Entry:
8,50
